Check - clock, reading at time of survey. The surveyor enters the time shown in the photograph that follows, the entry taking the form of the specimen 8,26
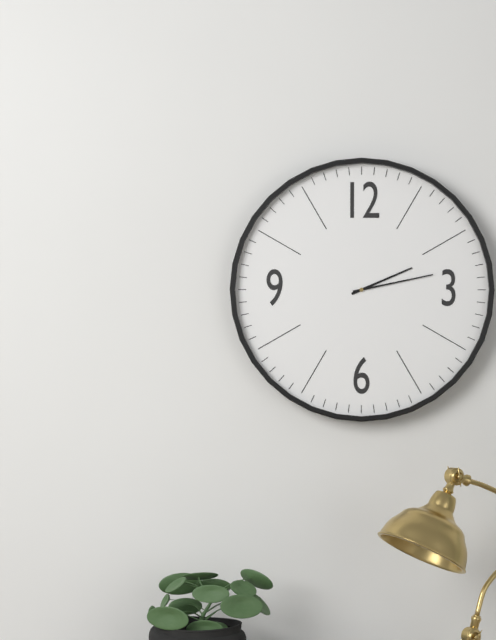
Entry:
2,13
